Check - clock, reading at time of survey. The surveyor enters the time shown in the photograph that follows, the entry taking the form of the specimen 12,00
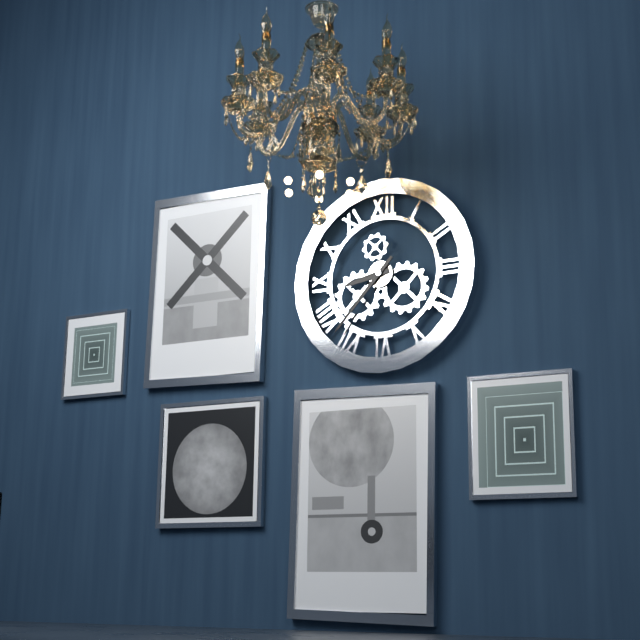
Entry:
8,37
